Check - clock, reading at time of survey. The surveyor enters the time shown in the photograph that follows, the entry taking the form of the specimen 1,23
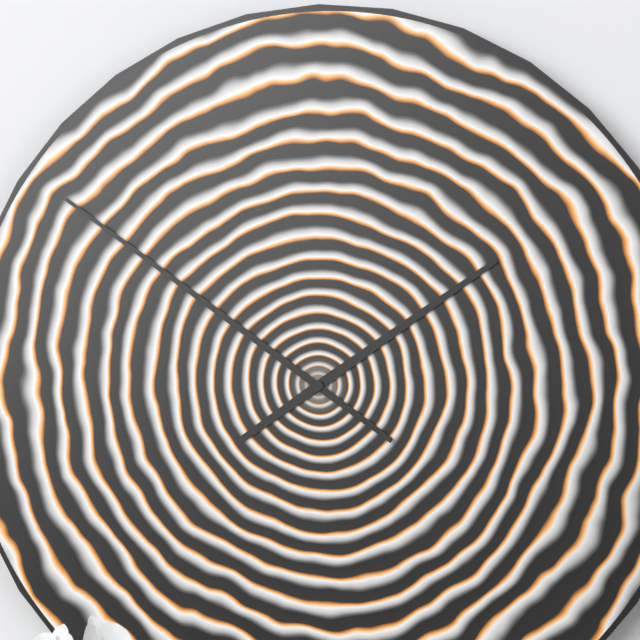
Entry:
1,51
